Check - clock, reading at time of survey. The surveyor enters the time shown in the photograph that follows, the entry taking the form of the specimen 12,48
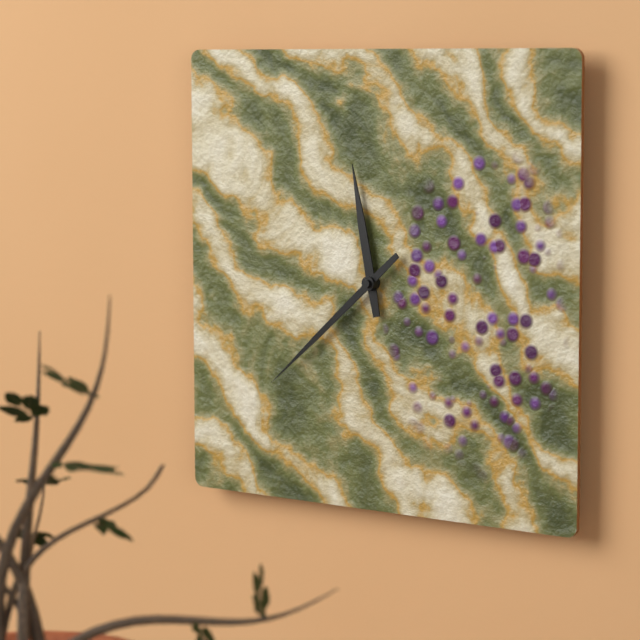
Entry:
11,38
